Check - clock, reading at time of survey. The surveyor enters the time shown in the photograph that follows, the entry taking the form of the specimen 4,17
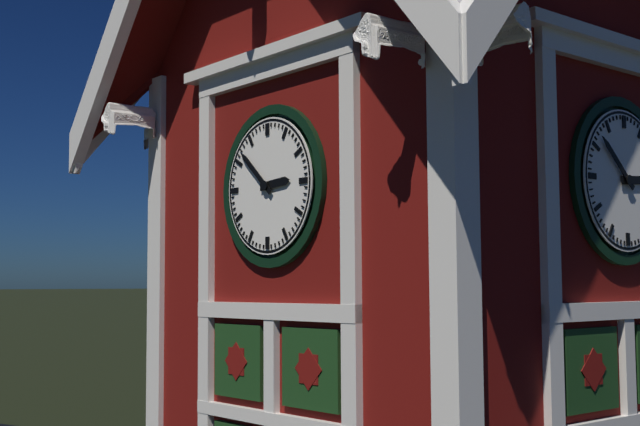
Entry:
2,52
